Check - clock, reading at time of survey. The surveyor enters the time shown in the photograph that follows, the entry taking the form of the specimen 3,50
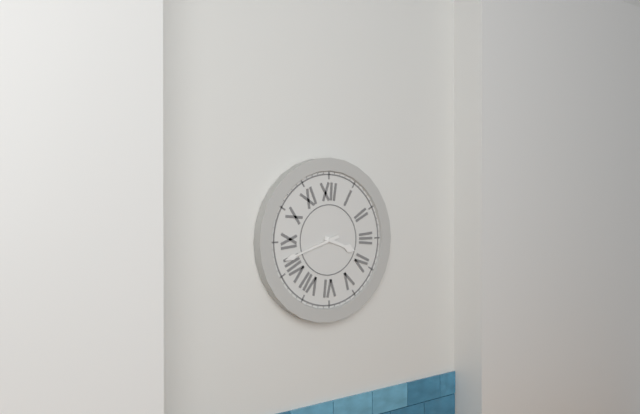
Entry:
3,42
